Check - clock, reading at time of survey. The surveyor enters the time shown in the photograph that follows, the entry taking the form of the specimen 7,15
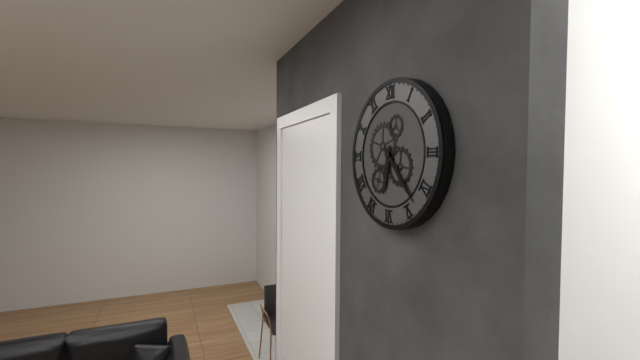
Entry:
6,23
